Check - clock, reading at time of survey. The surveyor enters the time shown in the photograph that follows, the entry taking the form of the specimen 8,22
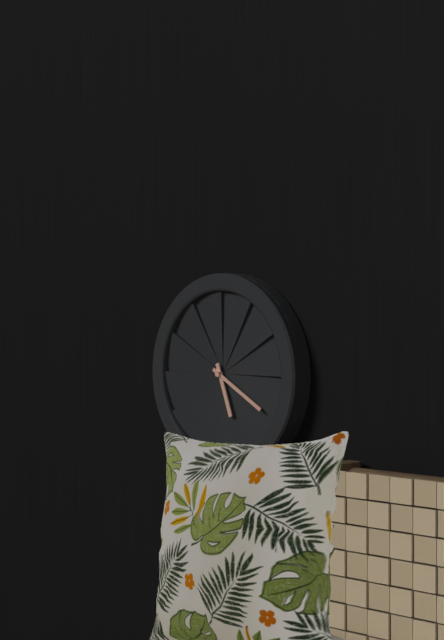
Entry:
5,20
